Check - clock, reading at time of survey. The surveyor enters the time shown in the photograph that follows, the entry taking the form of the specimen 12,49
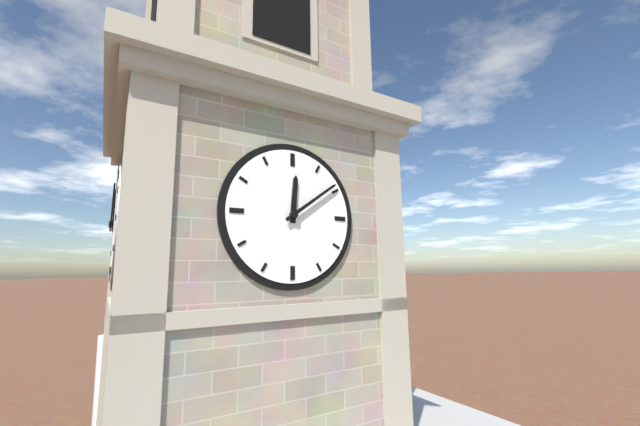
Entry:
12,09
